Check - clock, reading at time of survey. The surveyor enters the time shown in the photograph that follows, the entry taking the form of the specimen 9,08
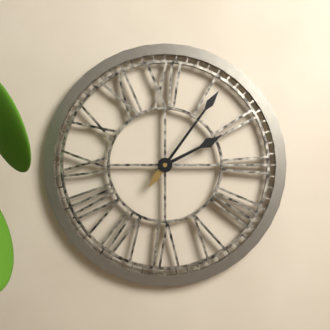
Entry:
2,06
